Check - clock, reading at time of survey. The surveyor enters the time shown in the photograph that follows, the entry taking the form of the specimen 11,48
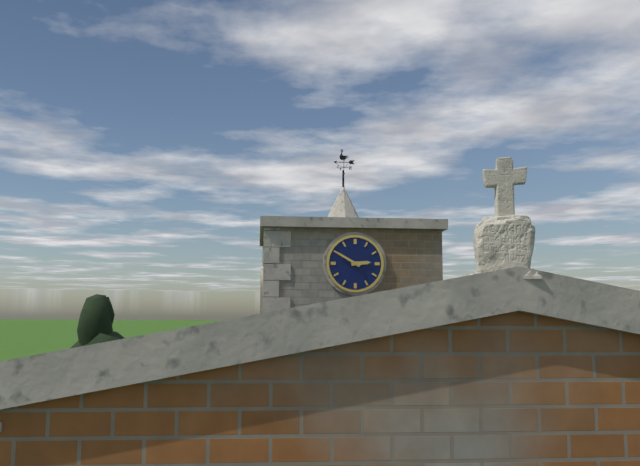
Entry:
2,50
